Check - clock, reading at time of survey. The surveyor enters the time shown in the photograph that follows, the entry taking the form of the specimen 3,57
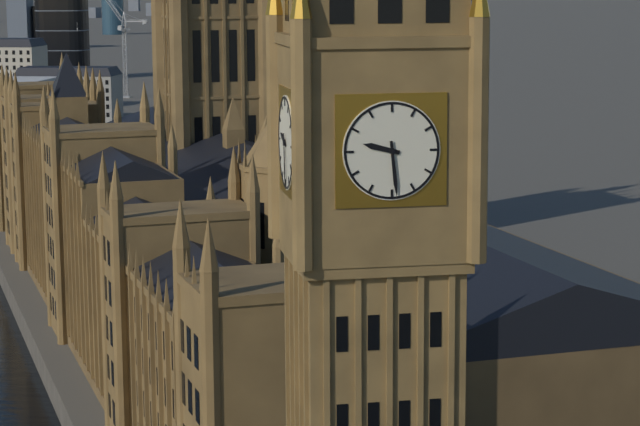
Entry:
9,29
